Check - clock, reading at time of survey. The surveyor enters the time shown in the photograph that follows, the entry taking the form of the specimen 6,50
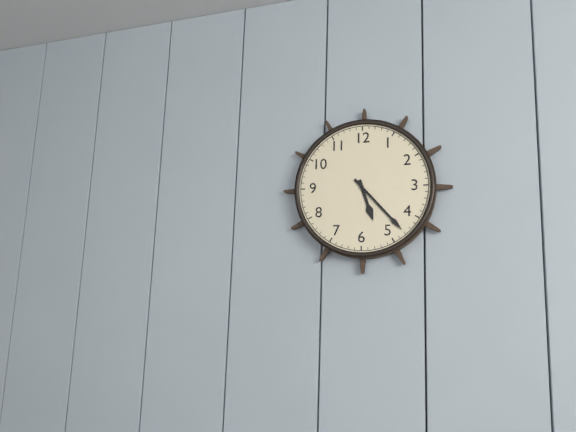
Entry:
5,23
